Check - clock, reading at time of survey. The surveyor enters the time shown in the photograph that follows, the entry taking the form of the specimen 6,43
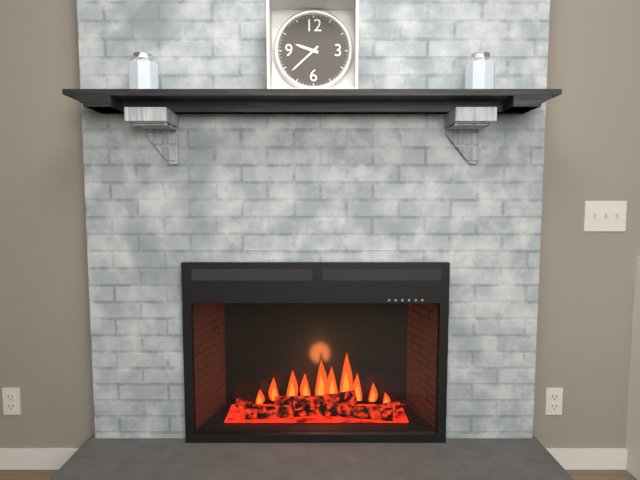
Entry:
9,38
